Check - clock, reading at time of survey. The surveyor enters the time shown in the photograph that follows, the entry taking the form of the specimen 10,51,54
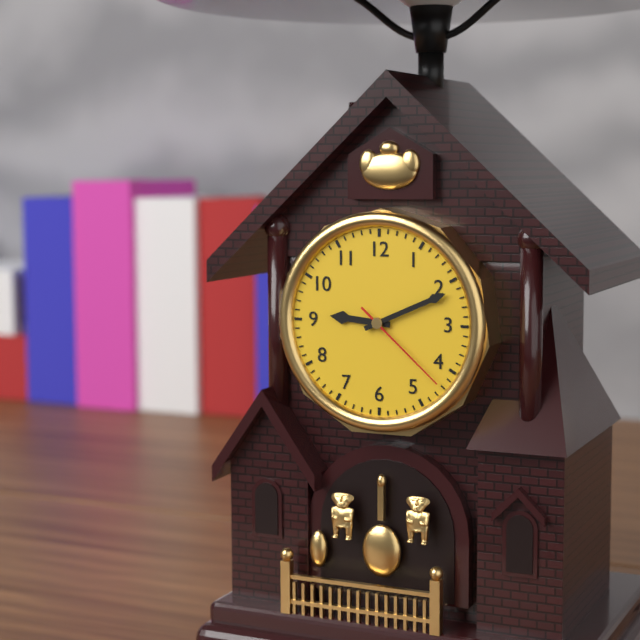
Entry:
9,11,22
